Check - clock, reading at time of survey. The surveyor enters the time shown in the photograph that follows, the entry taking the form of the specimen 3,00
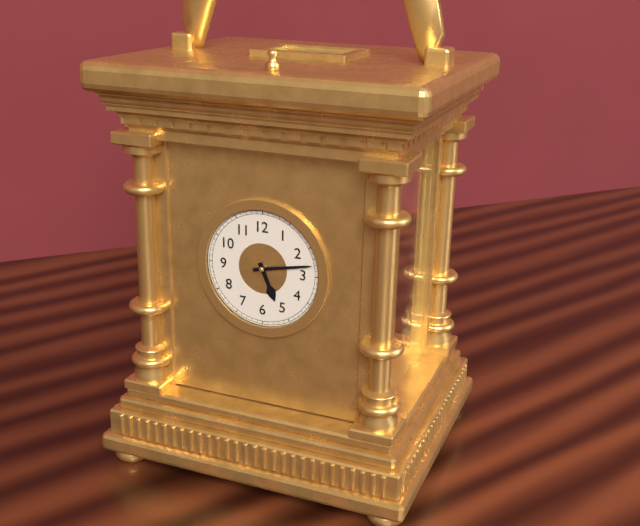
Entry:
5,13
